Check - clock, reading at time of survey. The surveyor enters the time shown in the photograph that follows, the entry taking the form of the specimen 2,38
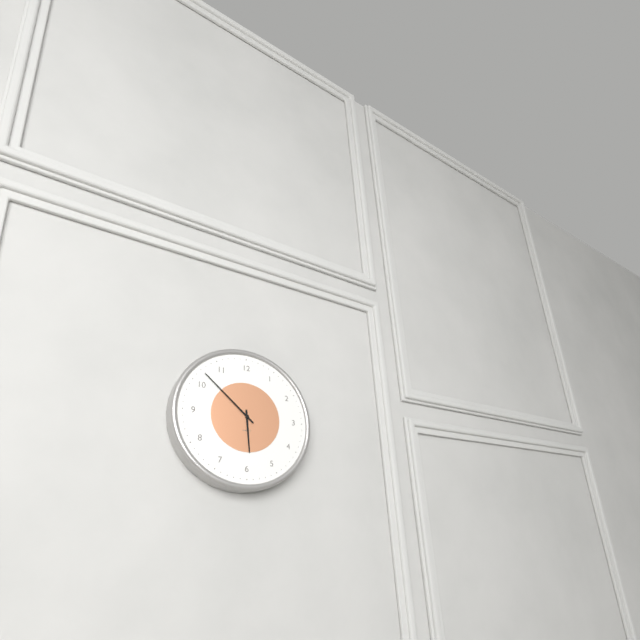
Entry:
5,52
